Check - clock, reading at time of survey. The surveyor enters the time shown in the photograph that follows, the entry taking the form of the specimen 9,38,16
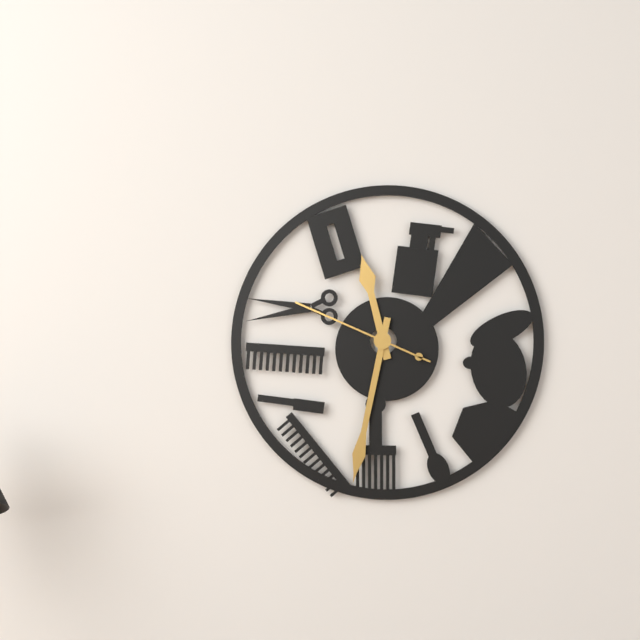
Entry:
11,32,49
